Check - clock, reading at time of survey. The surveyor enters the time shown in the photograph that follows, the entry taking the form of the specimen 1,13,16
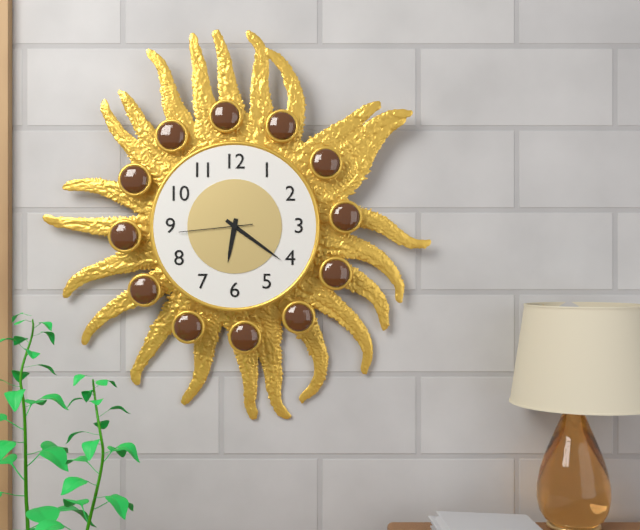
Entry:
6,21,44
